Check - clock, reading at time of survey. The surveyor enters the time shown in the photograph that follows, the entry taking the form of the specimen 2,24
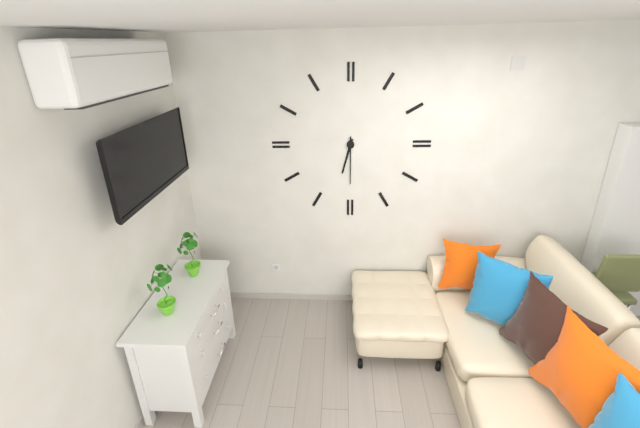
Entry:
6,30
